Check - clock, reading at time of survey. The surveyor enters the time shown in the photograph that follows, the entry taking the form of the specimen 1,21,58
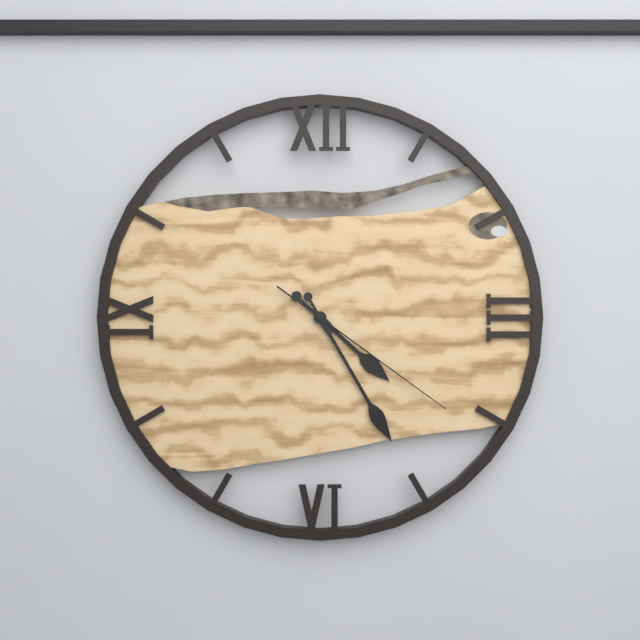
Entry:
4,25,21
